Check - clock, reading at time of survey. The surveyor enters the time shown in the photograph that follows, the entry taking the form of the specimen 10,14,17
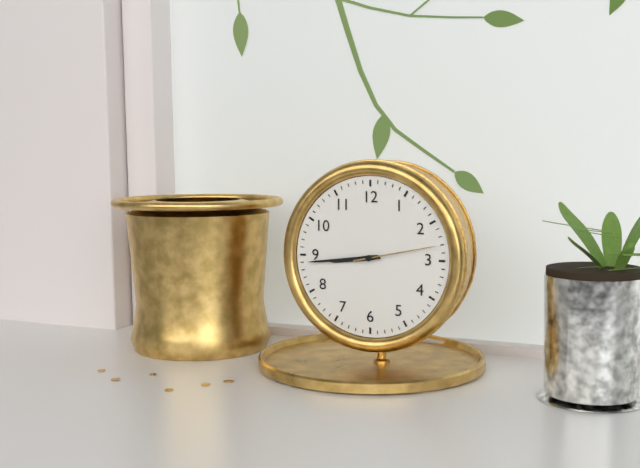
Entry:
8,44,13
